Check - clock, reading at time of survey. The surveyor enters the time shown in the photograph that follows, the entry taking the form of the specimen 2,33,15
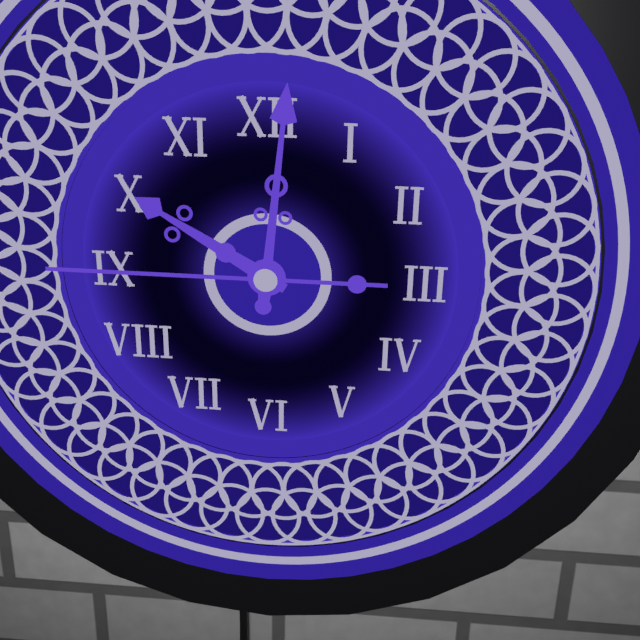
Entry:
10,01,45
